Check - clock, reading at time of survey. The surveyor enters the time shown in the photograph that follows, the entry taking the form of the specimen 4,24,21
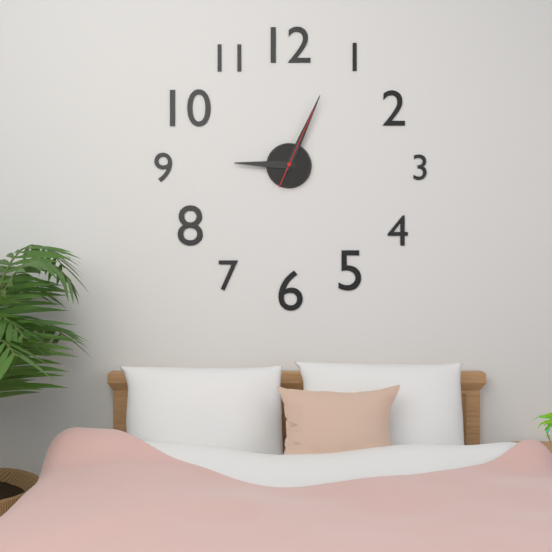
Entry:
9,04,04
